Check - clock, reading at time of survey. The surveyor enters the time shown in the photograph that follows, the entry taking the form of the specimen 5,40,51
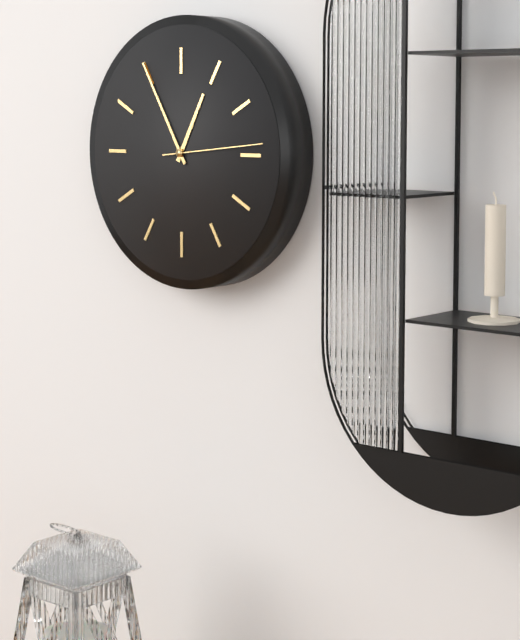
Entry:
12,55,14
